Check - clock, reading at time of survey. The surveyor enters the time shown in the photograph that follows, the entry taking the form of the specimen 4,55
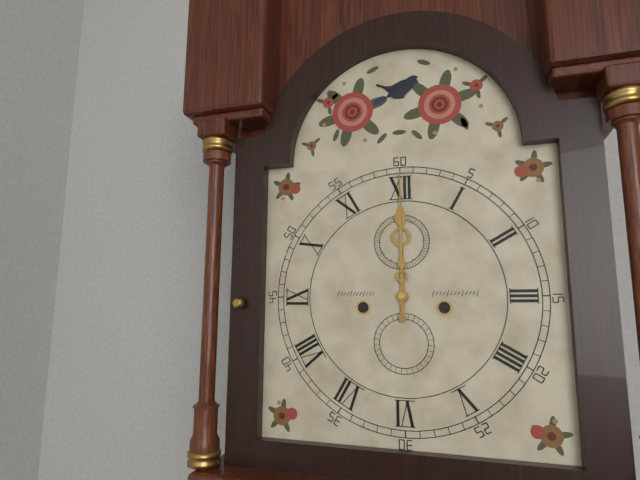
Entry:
12,00
